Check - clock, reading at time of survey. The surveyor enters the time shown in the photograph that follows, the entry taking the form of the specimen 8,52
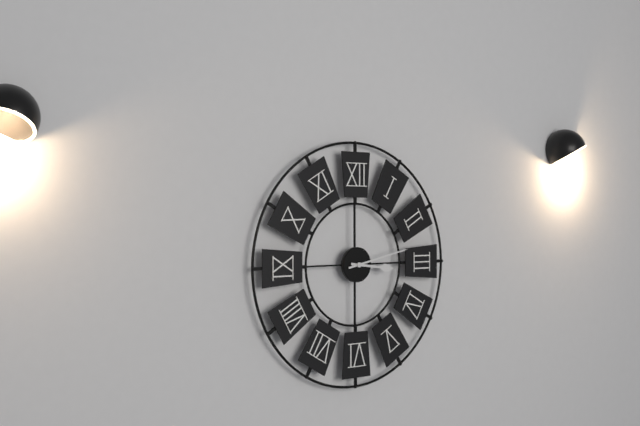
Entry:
3,13
